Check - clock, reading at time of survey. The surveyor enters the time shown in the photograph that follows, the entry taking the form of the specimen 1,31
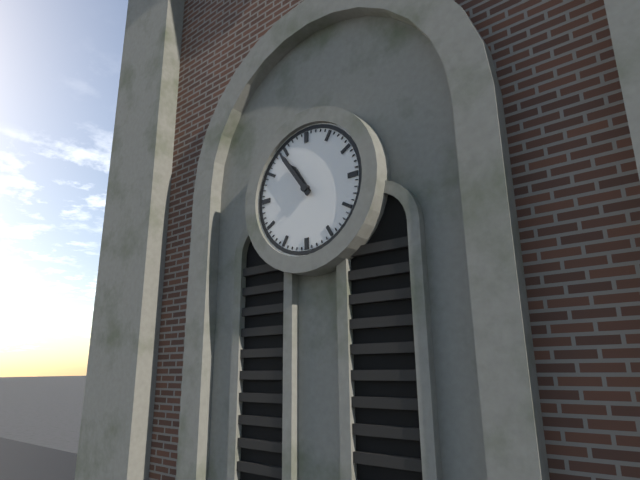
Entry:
10,54
